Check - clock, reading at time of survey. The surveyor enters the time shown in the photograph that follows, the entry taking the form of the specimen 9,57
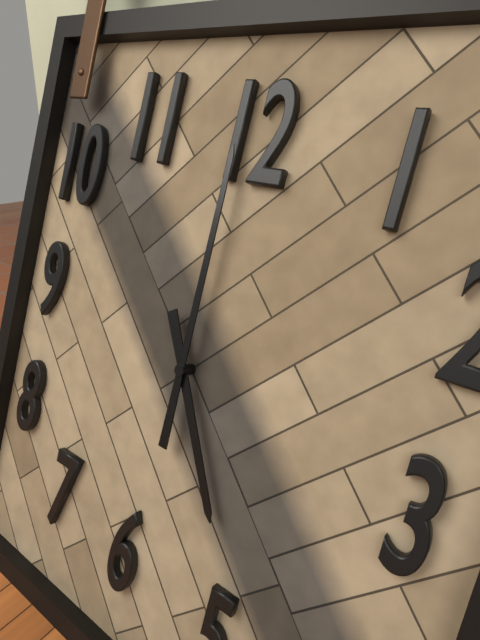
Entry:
5,00
